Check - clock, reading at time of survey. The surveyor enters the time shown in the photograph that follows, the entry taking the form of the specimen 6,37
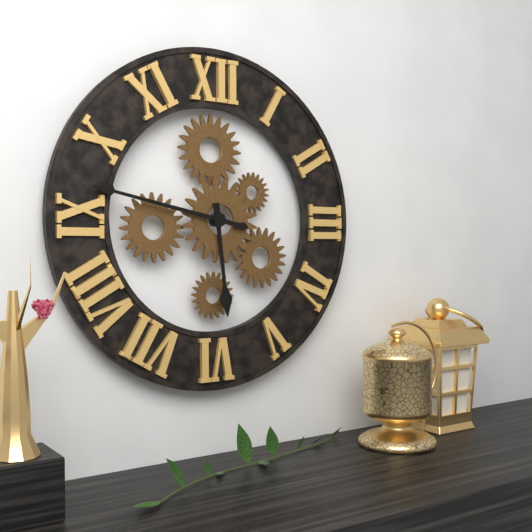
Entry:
5,47
